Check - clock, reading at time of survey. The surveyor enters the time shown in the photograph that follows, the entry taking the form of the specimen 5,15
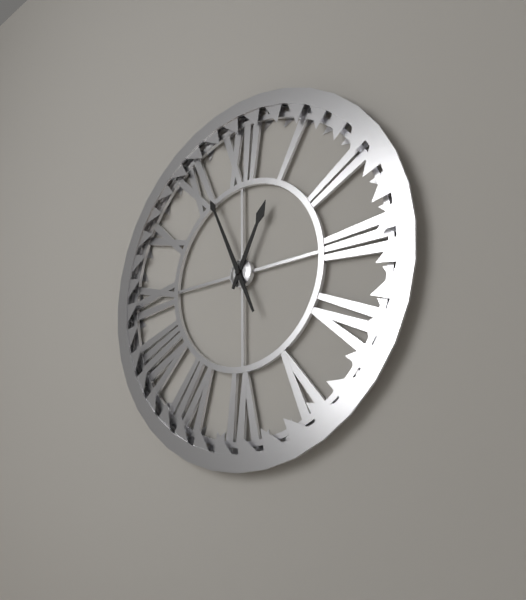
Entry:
12,56
